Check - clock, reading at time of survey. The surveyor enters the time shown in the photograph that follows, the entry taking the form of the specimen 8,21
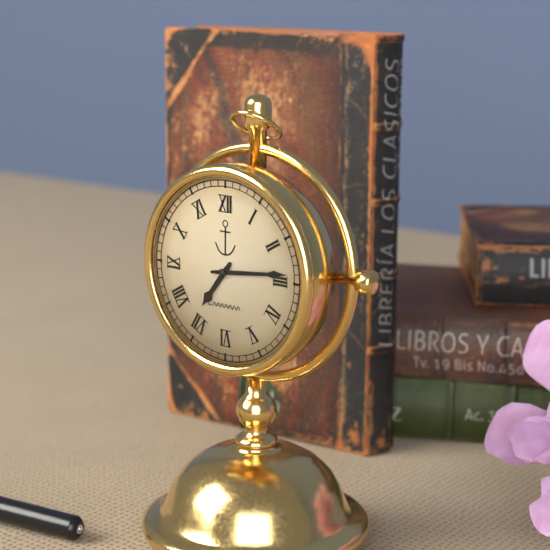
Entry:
7,14
